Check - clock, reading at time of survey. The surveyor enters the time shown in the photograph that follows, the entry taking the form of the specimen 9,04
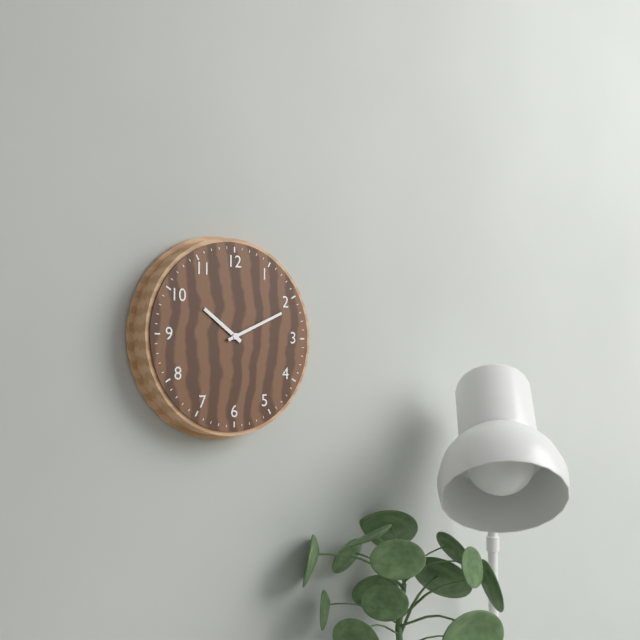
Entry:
10,11
